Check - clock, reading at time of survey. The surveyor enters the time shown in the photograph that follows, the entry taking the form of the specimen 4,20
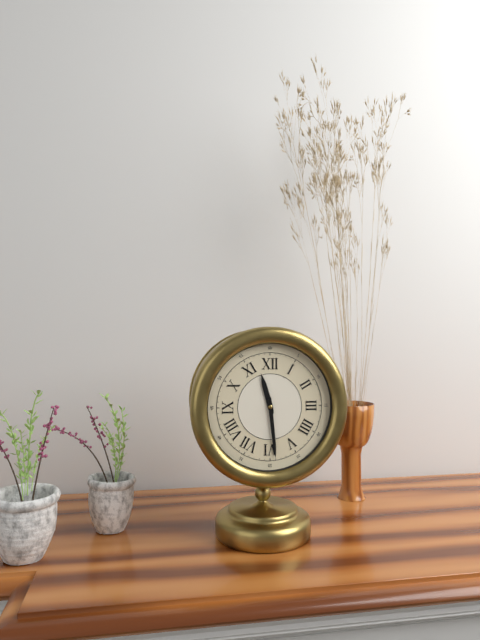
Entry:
11,29
